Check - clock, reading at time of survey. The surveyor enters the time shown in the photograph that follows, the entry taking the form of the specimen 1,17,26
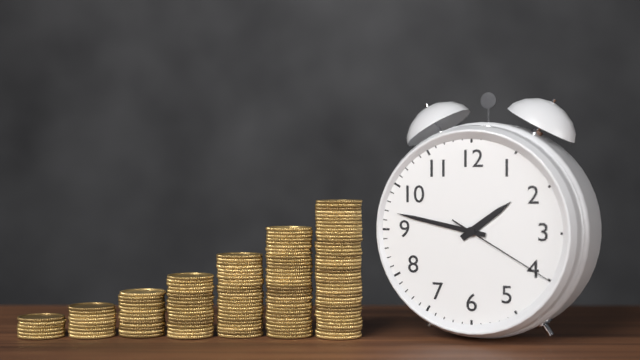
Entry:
1,47,20
